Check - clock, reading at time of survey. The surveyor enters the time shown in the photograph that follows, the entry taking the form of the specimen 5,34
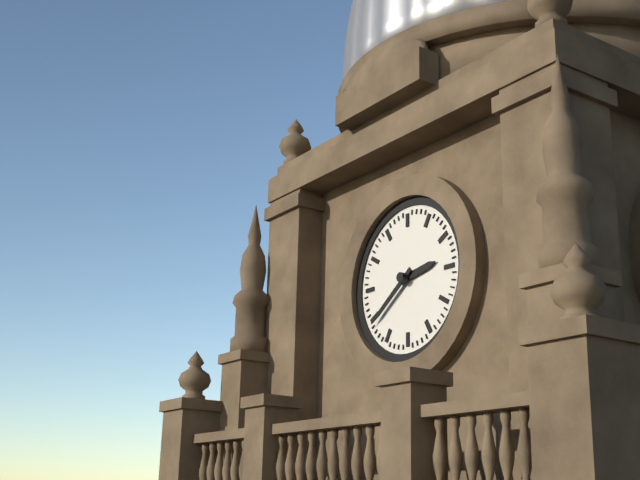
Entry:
2,39
